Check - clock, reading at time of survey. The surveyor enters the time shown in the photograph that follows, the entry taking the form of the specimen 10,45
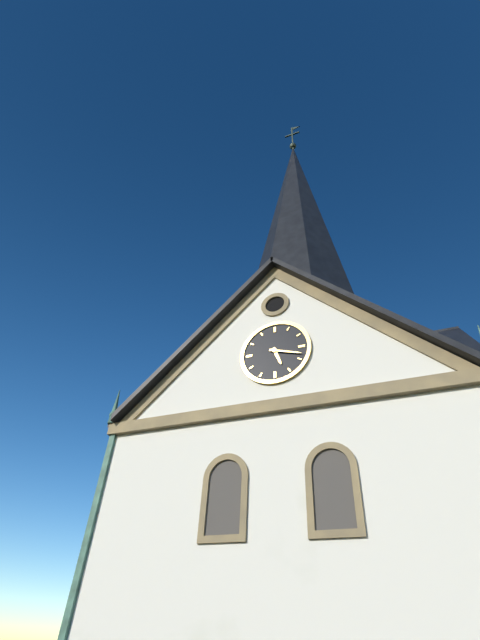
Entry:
5,18
